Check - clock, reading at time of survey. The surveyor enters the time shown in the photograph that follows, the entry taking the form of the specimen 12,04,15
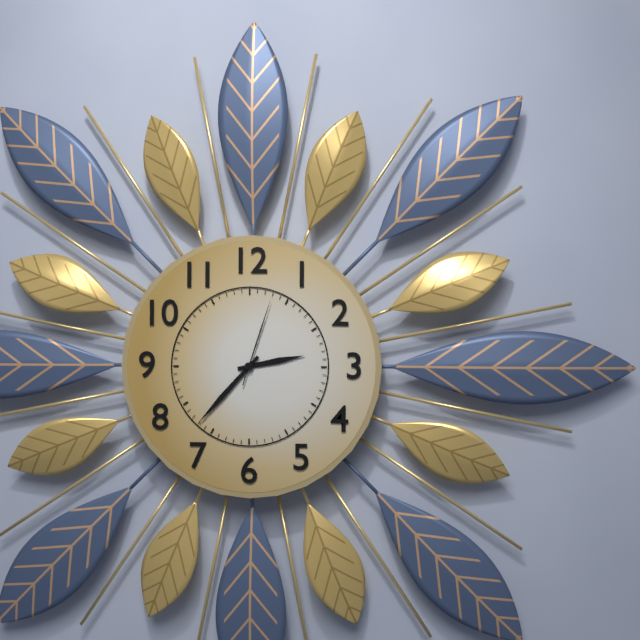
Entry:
2,37,03
